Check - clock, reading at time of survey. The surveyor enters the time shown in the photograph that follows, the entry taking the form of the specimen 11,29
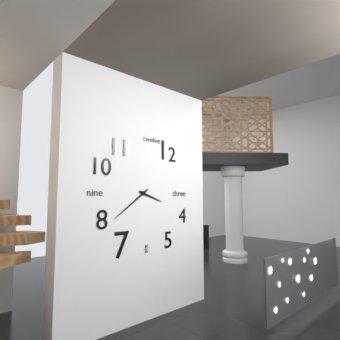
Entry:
3,39
